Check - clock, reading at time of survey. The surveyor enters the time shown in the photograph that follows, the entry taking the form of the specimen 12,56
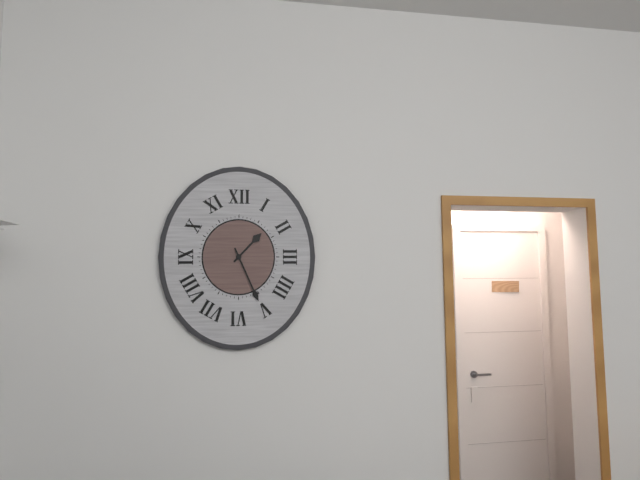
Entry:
1,26
